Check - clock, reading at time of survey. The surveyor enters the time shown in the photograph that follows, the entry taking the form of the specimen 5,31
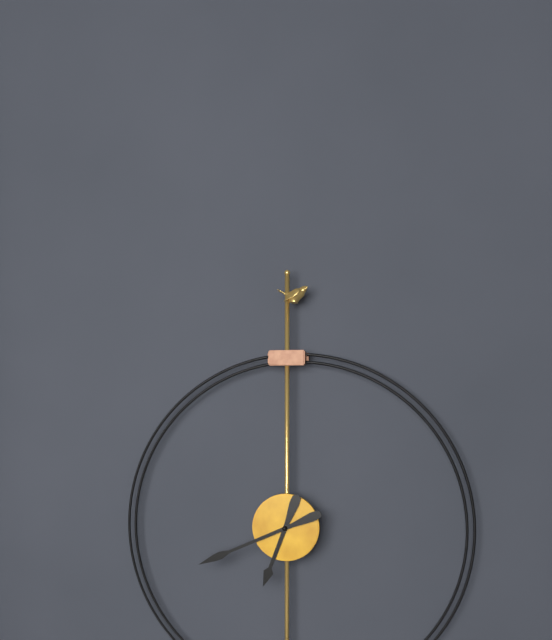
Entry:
6,41
